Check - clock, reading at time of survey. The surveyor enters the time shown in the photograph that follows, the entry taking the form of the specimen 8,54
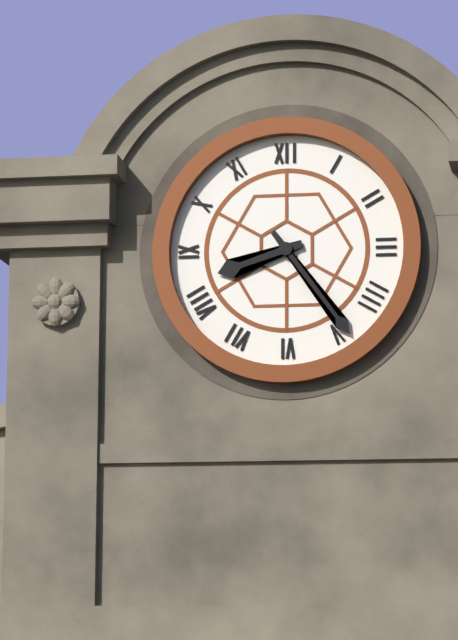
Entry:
8,24
